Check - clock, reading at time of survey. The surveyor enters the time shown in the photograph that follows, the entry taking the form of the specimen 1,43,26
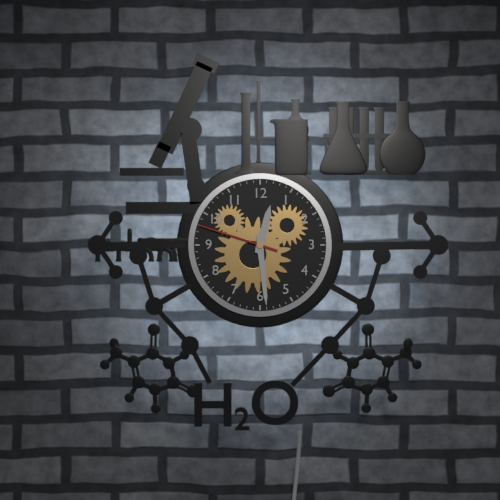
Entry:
12,29,48
